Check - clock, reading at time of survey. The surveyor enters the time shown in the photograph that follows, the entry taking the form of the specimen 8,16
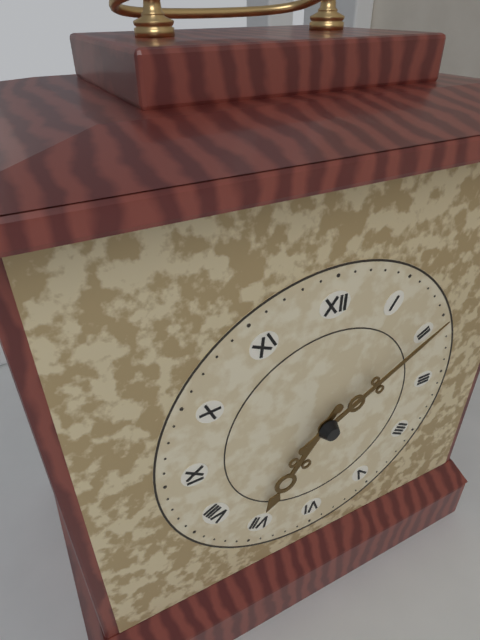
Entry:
7,10
